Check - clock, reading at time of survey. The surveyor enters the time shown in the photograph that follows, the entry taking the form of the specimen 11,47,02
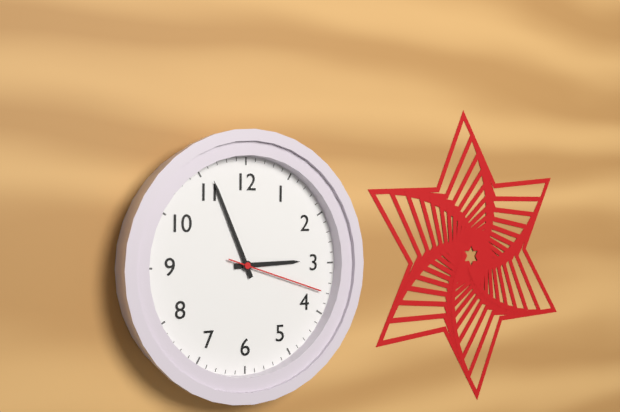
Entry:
2,56,18
